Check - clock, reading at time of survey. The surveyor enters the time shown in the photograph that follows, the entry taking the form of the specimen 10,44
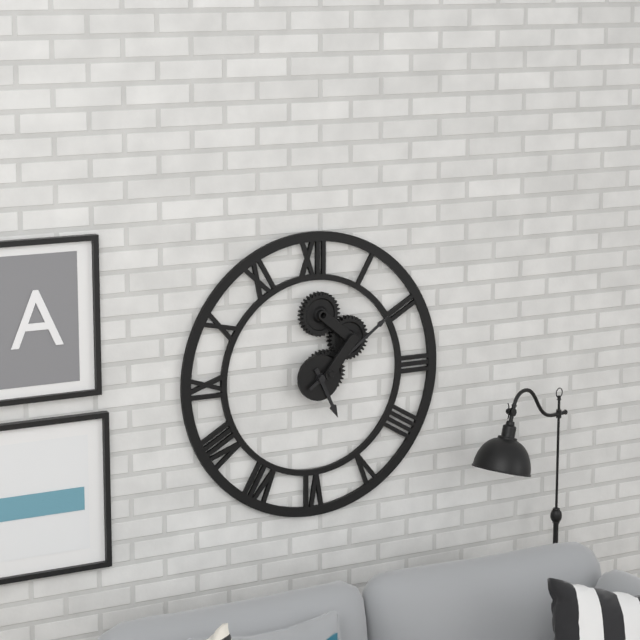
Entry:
5,09
